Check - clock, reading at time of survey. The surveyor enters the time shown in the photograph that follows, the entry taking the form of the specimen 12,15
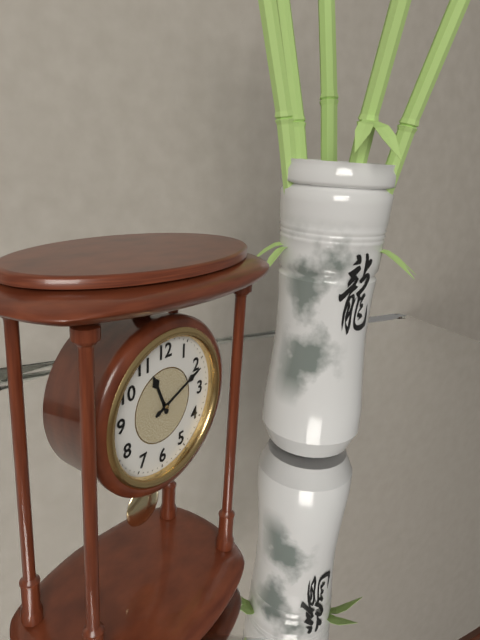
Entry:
11,11
